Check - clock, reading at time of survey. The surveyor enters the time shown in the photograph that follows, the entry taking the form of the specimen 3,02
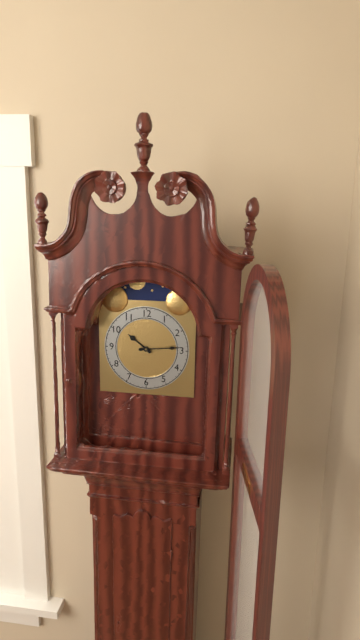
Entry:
10,14
